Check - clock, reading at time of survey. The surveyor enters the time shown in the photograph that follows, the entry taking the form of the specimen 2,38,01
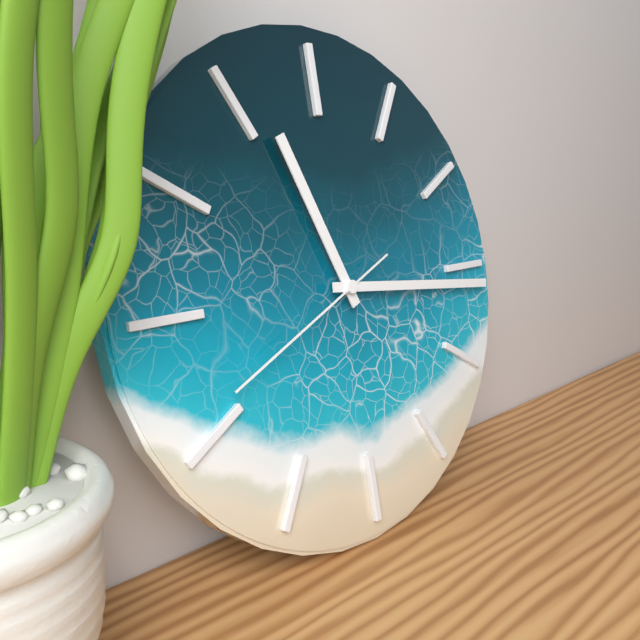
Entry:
11,16,41
